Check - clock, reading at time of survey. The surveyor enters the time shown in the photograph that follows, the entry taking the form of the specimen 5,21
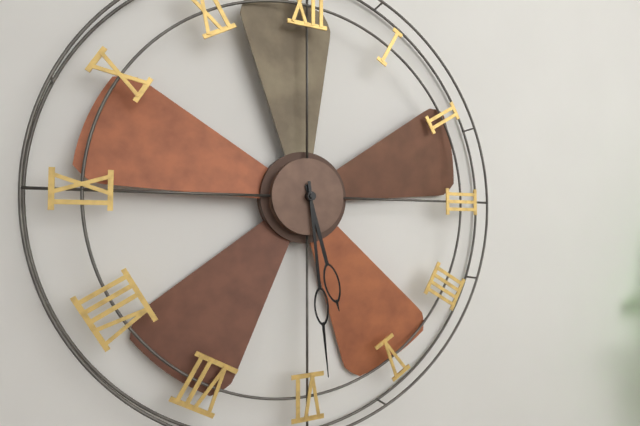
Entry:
5,29
